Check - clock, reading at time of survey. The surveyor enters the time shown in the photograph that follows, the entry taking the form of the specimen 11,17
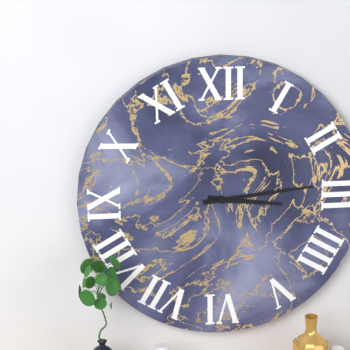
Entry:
3,14
